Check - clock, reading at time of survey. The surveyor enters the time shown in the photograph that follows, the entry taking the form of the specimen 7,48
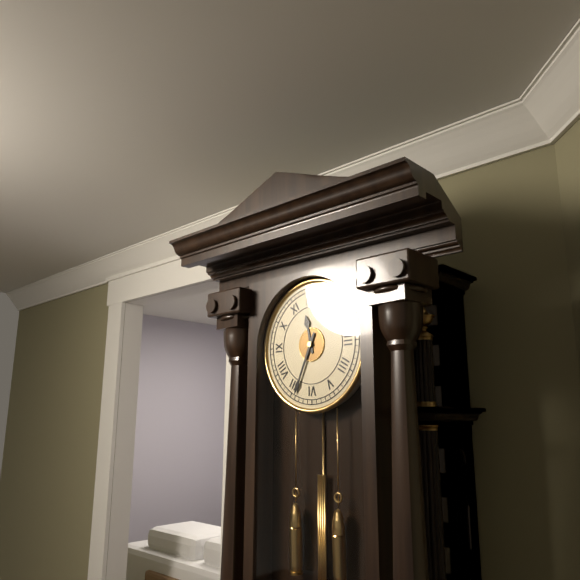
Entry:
11,34
